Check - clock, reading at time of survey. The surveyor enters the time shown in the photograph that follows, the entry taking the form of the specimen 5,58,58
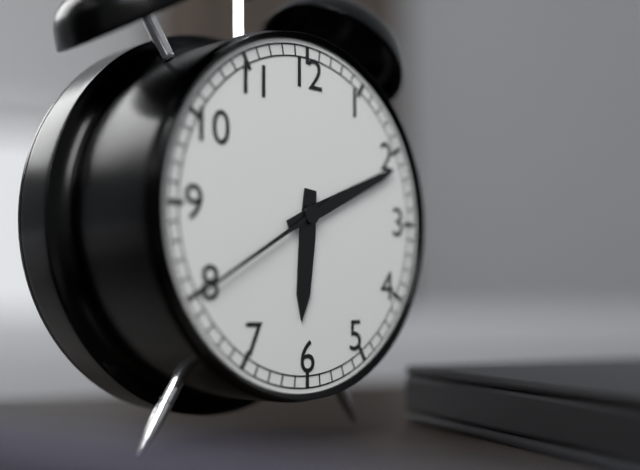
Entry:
6,11,40
